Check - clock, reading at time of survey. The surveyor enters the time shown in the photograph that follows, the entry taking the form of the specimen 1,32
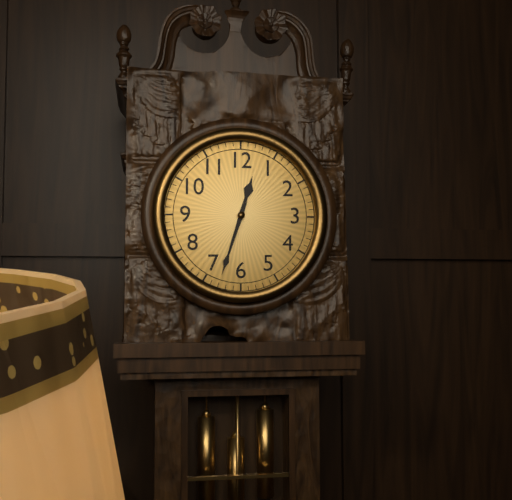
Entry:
12,33
